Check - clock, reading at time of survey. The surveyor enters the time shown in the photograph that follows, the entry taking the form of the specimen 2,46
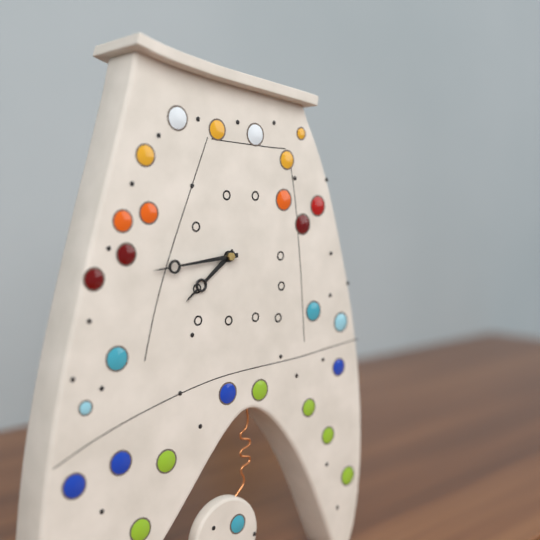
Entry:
7,44
